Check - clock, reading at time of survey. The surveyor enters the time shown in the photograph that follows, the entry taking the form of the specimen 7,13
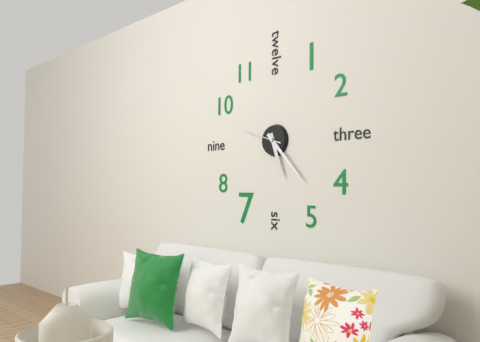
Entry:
5,23
